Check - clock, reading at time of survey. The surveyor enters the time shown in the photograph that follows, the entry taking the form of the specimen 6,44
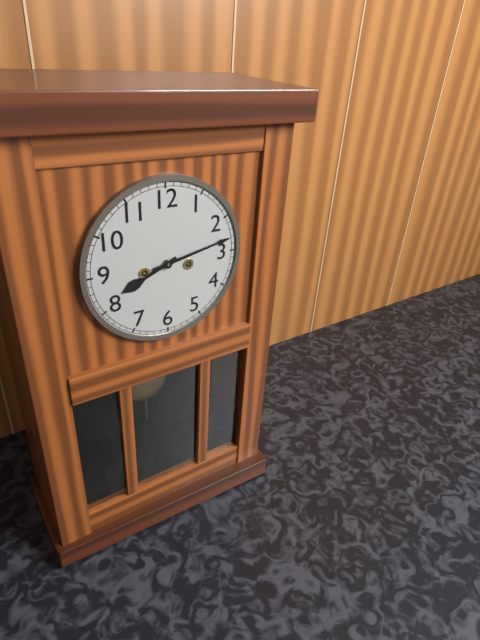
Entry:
8,13
